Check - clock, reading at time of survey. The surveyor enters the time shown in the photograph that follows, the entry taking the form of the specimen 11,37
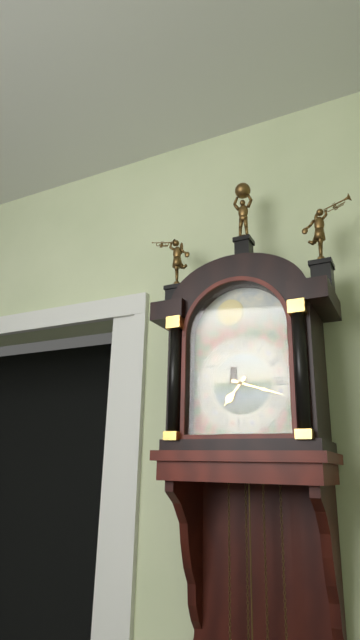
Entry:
7,18
